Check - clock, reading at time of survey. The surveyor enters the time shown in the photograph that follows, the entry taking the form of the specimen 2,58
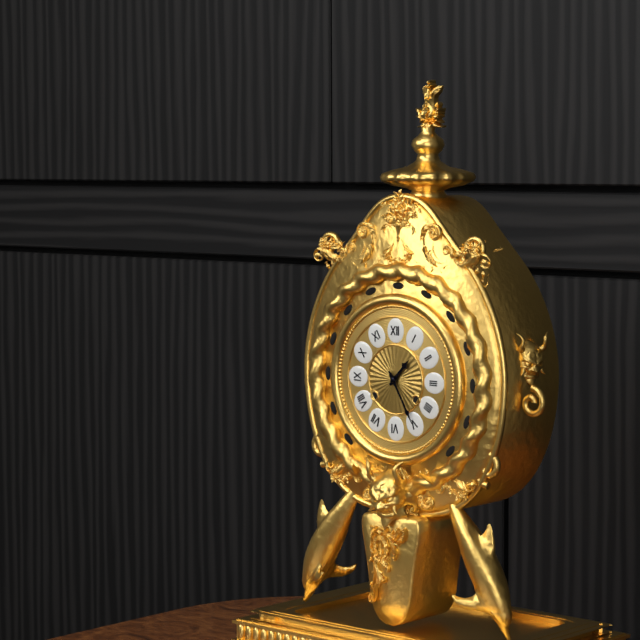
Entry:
1,25
